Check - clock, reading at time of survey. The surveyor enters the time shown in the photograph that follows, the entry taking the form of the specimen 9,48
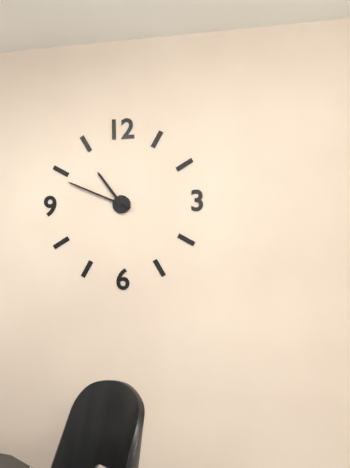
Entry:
10,49
